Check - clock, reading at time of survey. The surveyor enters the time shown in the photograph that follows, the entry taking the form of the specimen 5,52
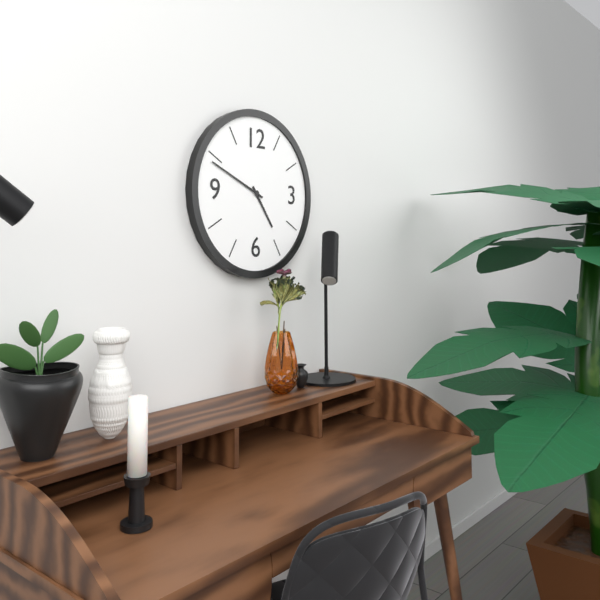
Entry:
4,49
